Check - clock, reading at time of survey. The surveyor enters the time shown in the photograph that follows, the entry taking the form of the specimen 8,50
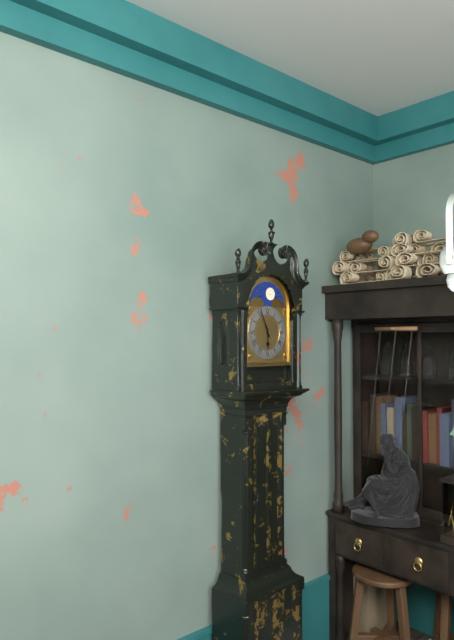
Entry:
5,56
